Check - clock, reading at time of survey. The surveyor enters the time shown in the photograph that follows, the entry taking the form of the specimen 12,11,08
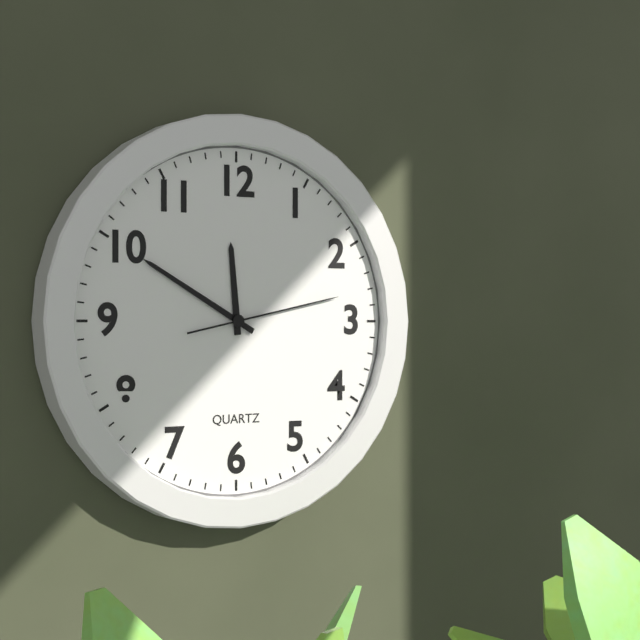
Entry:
11,50,13
